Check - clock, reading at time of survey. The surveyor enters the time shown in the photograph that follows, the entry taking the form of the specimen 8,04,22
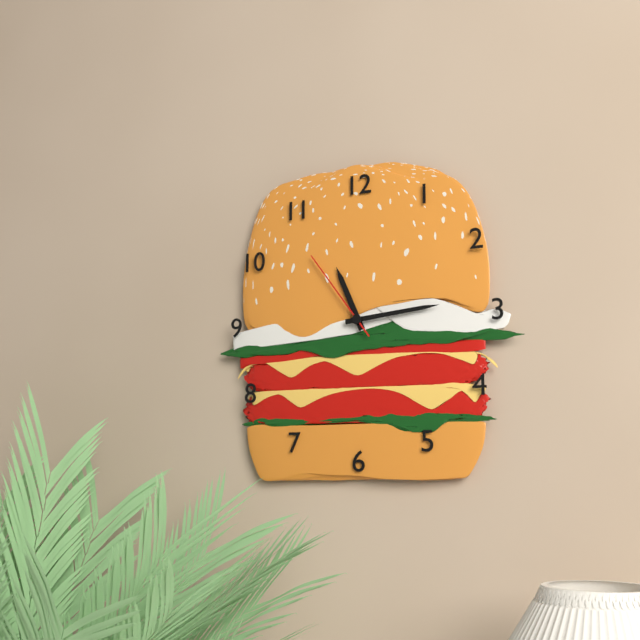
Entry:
11,14,54
